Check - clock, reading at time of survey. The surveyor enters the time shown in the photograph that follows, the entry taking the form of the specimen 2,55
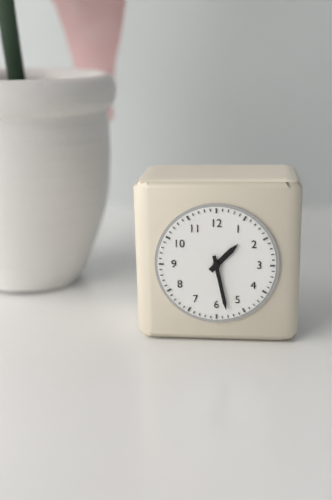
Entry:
1,28
